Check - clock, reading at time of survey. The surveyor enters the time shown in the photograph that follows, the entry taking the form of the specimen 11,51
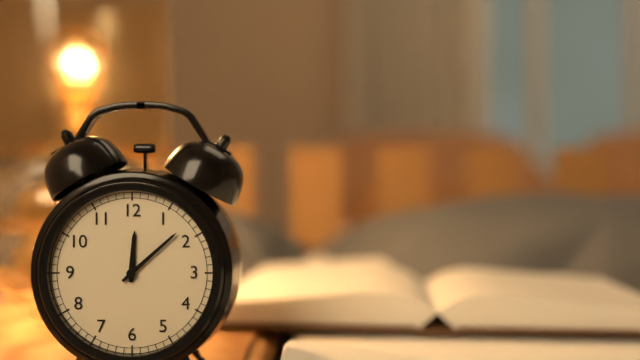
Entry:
12,08
